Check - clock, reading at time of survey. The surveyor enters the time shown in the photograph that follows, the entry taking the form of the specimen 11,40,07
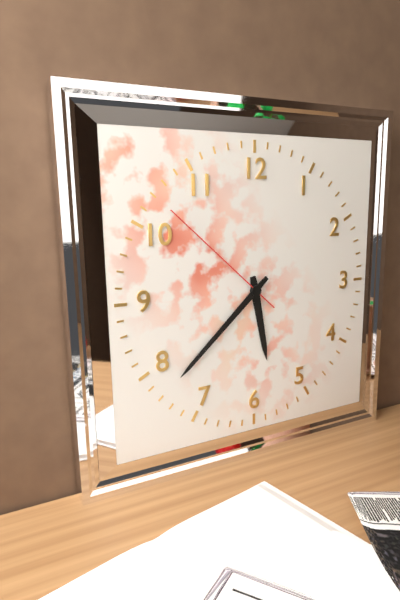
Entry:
5,38,52
